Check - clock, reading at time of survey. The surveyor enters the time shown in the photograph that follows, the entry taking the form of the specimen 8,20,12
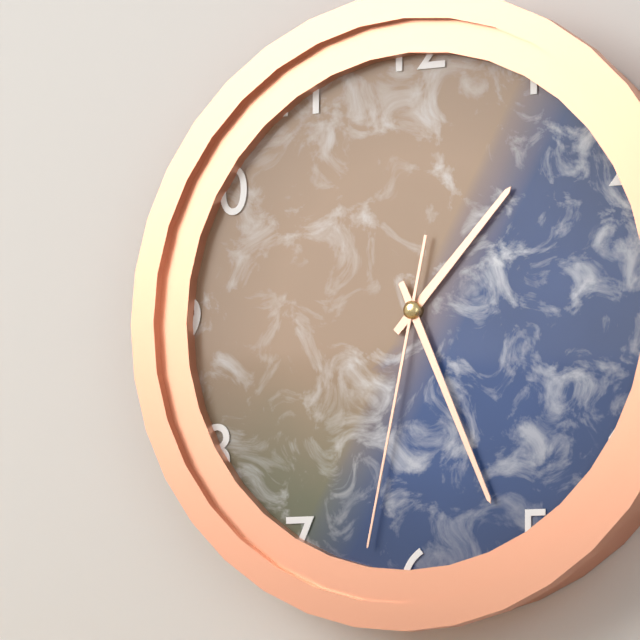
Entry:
1,26,32
